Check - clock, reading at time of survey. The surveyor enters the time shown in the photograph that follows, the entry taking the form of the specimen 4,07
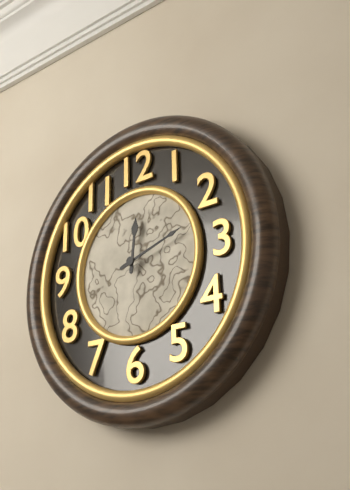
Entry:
12,12
